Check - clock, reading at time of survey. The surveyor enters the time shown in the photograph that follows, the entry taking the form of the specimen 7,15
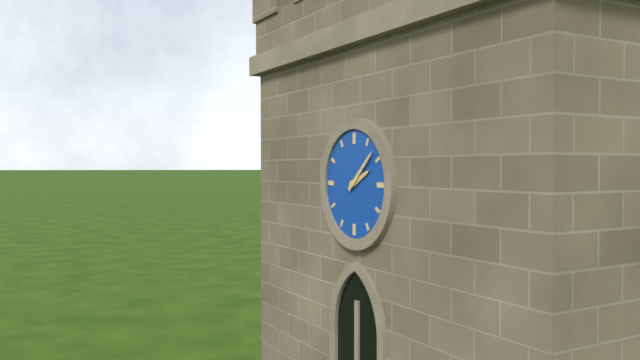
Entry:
2,08
